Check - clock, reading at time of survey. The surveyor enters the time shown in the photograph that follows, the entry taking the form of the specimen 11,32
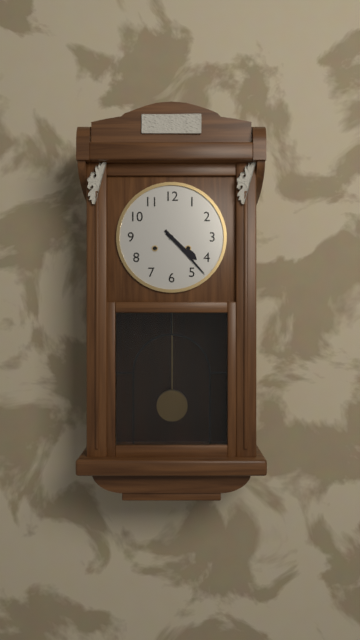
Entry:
4,23
